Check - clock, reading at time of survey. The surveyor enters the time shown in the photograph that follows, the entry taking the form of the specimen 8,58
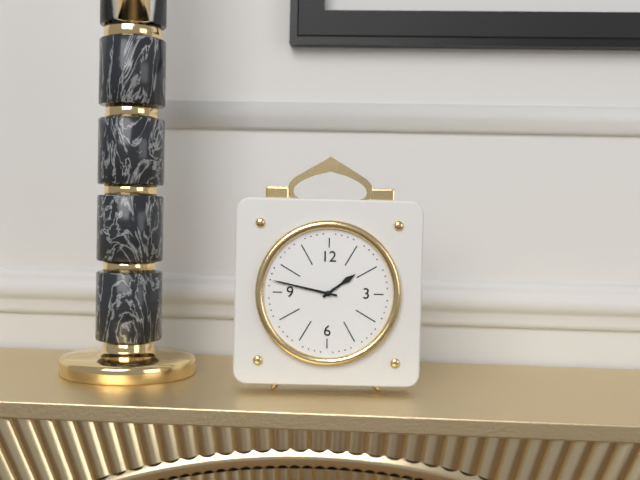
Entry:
1,47
